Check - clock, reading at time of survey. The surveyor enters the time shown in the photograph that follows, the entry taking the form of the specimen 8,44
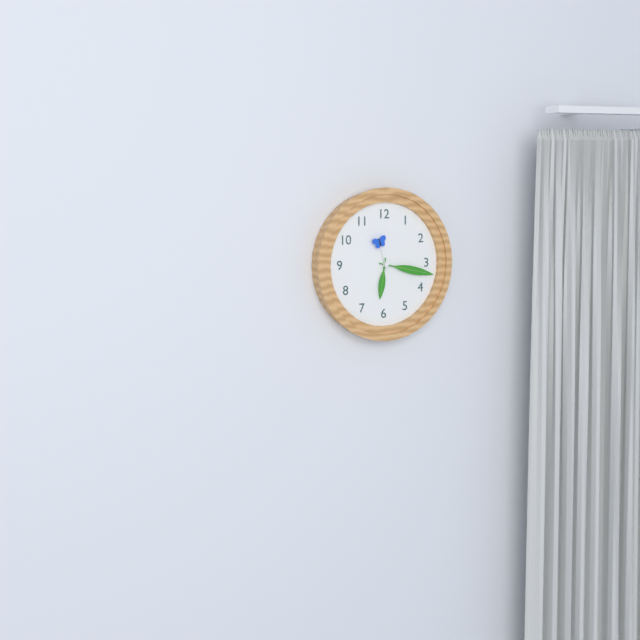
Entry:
6,17
